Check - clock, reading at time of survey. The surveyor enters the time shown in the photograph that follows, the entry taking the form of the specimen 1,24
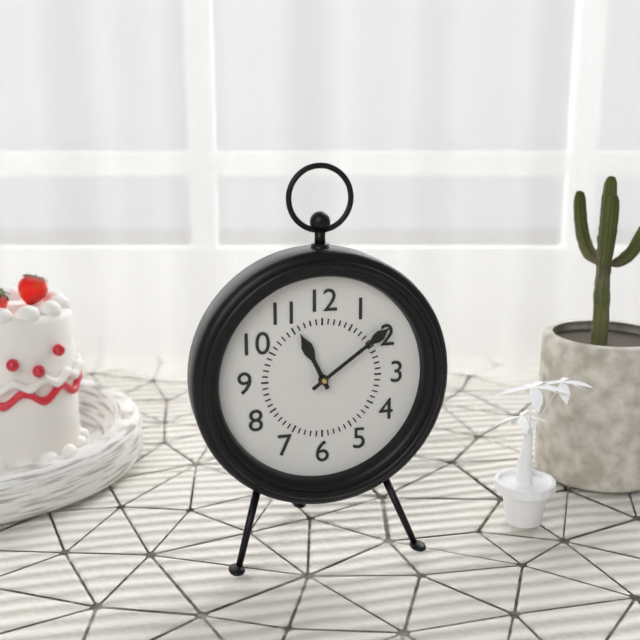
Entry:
11,09
